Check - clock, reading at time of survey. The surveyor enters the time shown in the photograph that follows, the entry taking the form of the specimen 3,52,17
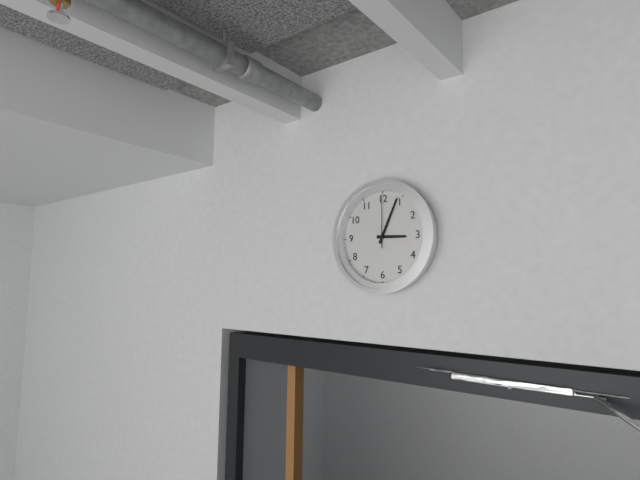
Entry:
3,04,00
